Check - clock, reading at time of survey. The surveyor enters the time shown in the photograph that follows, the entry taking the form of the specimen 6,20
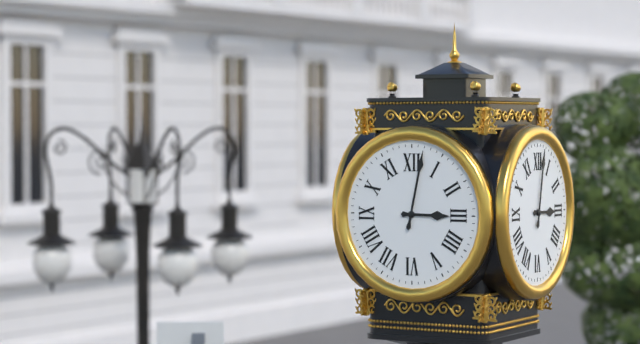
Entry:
3,02
